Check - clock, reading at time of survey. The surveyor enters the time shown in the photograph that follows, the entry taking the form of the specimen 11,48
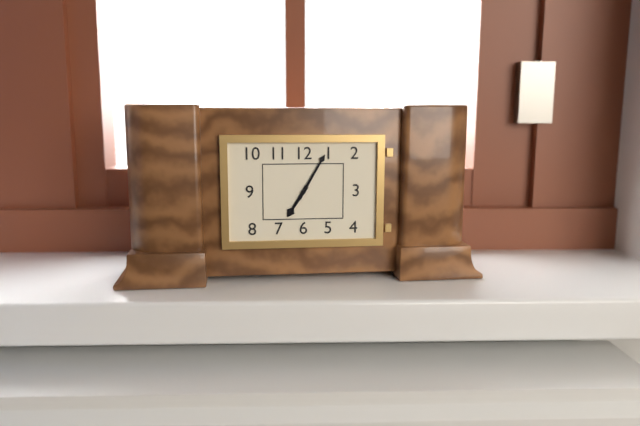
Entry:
7,05
